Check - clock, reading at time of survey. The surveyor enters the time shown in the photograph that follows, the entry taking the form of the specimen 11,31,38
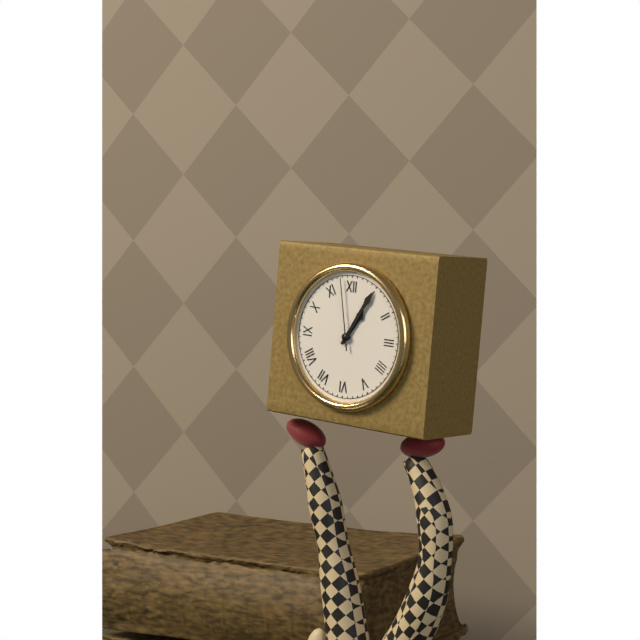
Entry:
1,05,58
